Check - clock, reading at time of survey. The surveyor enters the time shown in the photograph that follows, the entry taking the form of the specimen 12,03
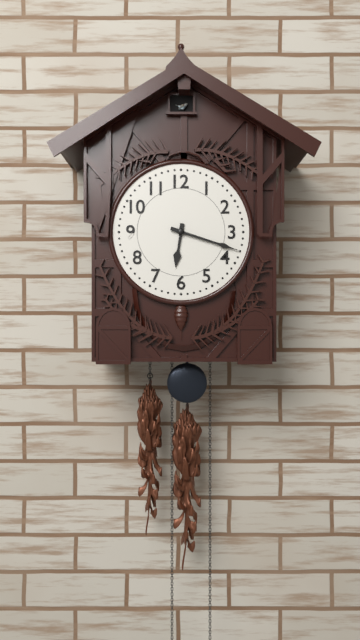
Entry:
6,18
